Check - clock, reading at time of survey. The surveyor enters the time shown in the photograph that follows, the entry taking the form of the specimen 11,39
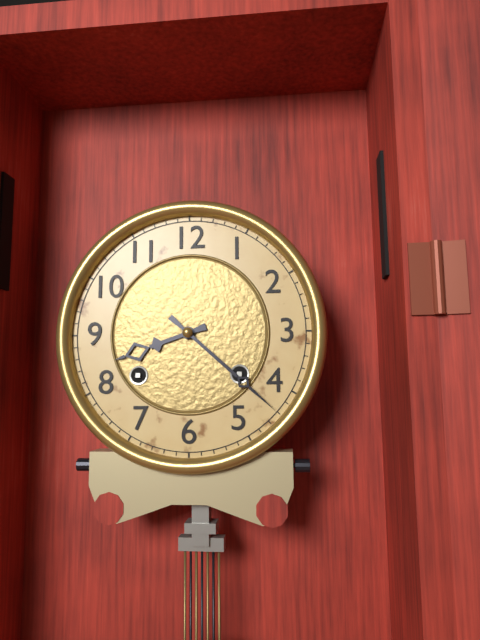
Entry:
8,22
